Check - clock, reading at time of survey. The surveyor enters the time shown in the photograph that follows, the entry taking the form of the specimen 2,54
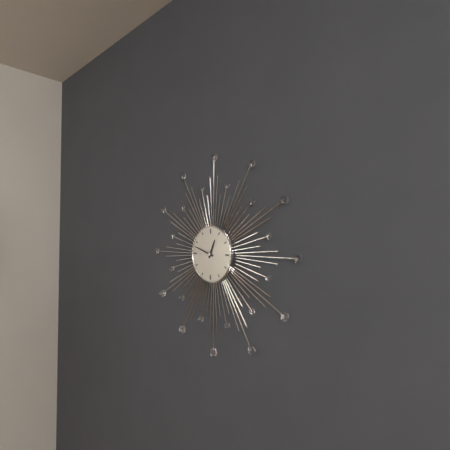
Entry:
12,48
